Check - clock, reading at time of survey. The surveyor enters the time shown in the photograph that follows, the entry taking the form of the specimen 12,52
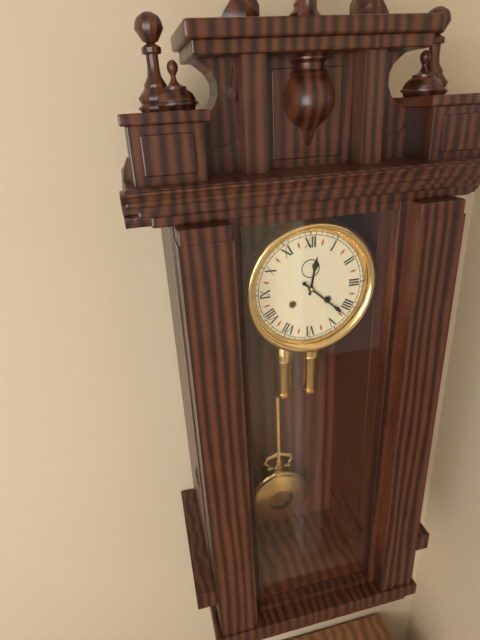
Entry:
12,22
